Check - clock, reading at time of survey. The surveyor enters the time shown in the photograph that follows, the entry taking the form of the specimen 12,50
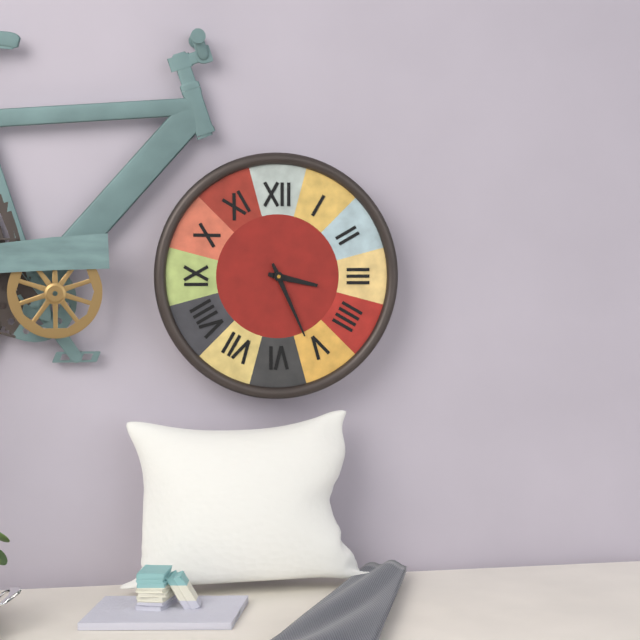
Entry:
3,26
